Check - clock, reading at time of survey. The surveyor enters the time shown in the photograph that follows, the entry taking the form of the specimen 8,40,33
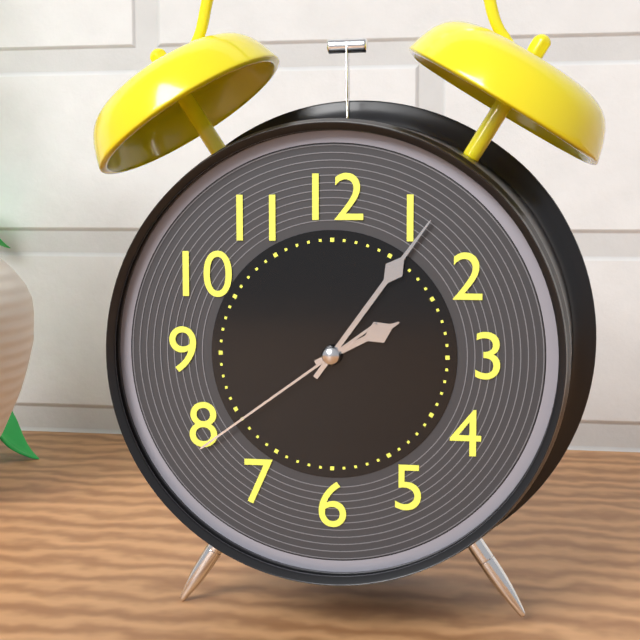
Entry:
2,06,39
